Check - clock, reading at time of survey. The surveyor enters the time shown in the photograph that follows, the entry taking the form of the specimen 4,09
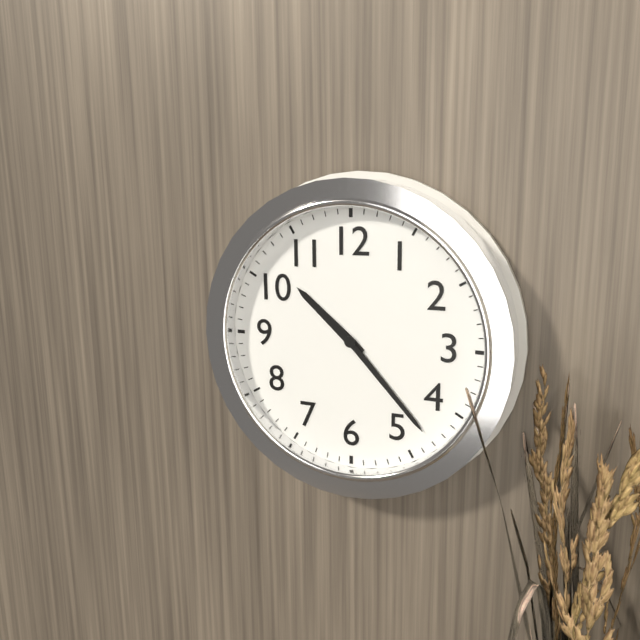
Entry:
10,23
